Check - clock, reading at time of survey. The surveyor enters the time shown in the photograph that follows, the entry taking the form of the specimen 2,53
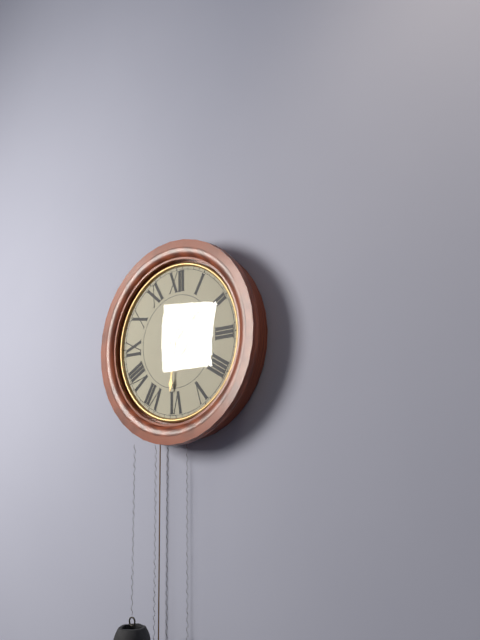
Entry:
1,31
